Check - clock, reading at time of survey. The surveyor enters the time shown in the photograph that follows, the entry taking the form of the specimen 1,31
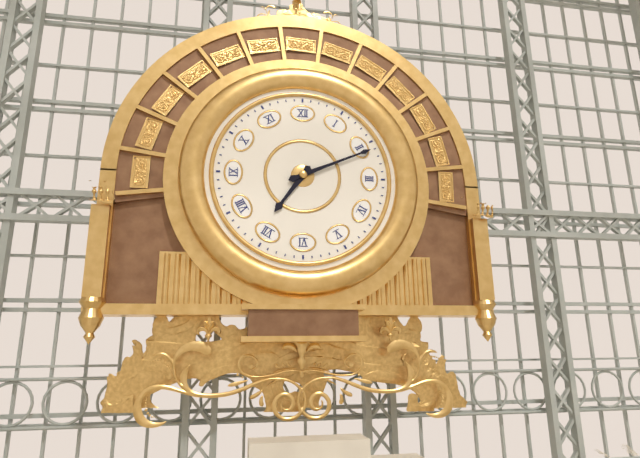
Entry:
7,11
